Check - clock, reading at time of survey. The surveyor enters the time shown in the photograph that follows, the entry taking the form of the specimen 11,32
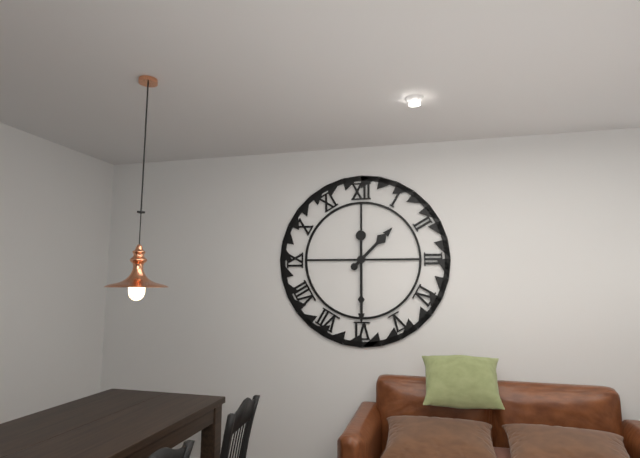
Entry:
1,30
